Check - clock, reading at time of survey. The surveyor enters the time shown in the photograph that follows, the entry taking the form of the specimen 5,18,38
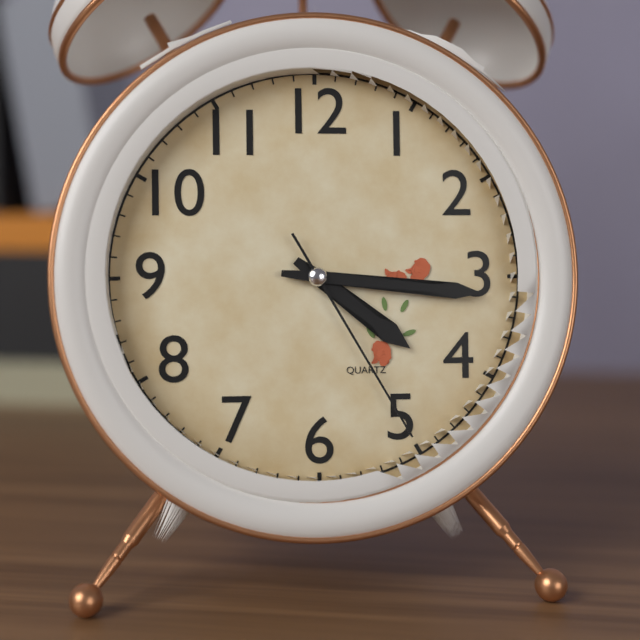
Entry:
4,16,25
